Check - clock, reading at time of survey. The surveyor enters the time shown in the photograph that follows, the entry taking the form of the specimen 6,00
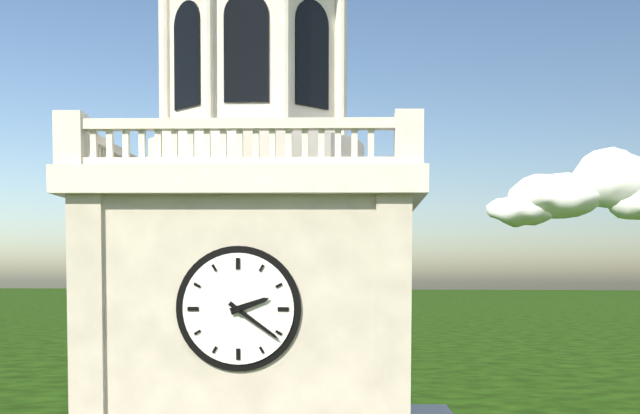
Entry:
2,21
